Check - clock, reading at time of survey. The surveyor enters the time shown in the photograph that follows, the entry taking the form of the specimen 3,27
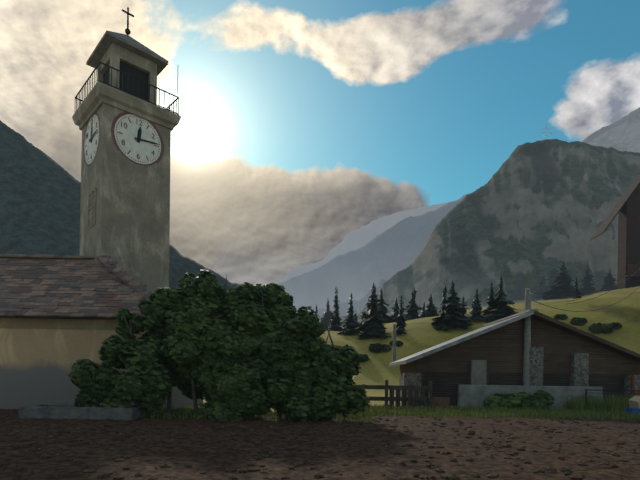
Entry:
12,14
